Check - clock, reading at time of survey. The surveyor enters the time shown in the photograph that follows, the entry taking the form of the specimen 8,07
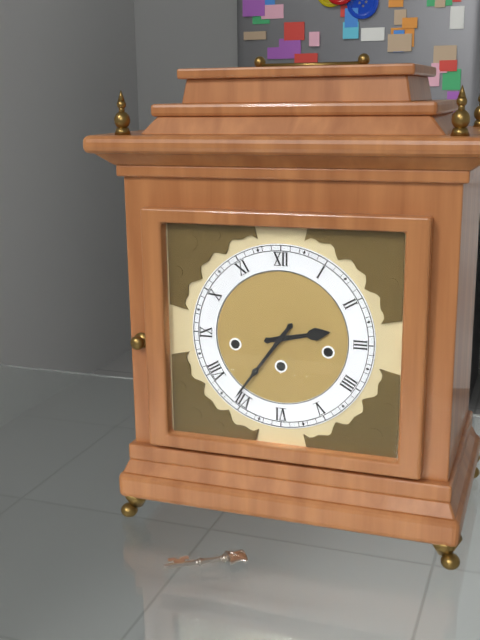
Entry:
2,36
